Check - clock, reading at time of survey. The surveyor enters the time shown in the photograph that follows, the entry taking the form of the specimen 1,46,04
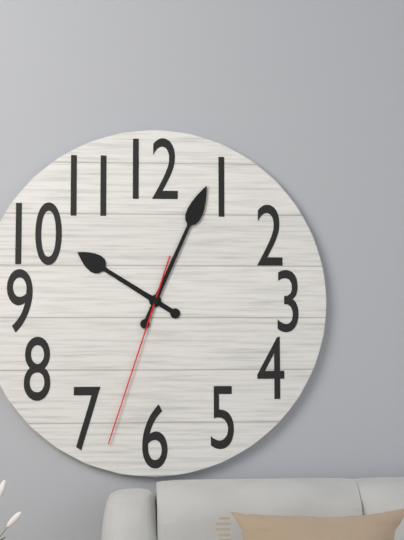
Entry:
10,04,33
